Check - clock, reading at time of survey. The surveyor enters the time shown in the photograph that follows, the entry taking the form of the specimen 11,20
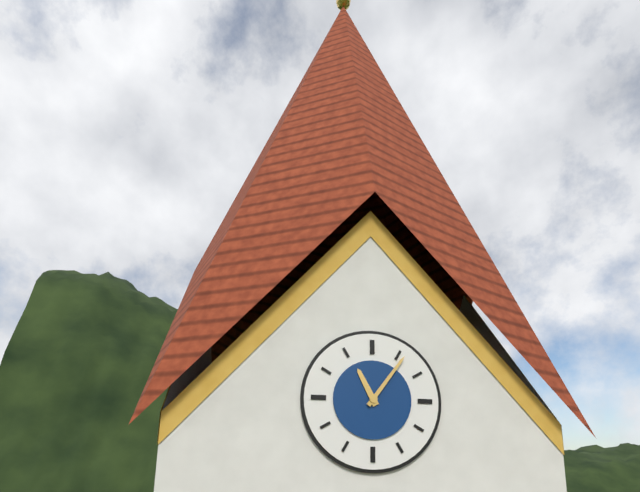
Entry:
11,06
